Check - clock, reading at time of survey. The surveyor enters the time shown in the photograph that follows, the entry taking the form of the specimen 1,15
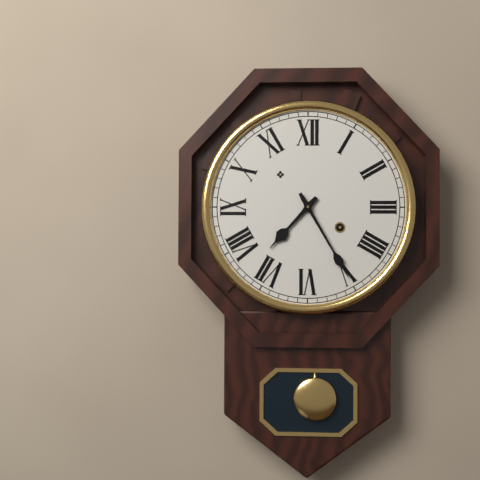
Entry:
7,25
